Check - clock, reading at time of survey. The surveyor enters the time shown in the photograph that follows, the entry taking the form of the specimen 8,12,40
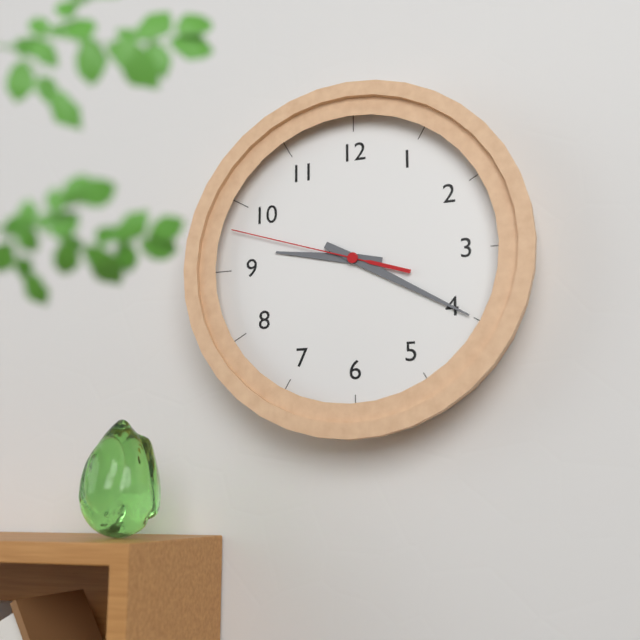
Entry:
9,20,48
